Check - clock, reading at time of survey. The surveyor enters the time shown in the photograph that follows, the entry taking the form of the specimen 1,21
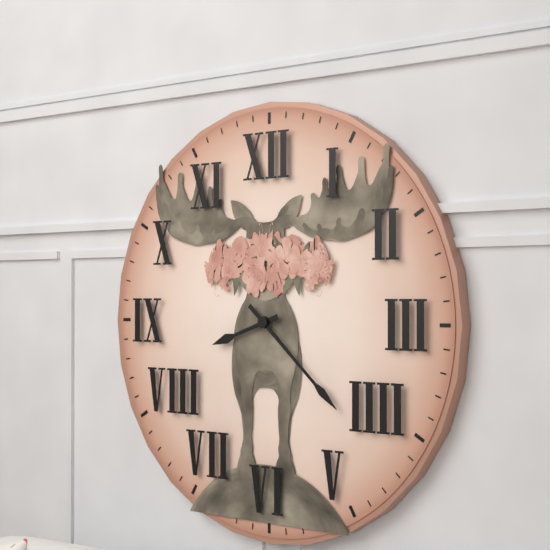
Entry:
8,22
